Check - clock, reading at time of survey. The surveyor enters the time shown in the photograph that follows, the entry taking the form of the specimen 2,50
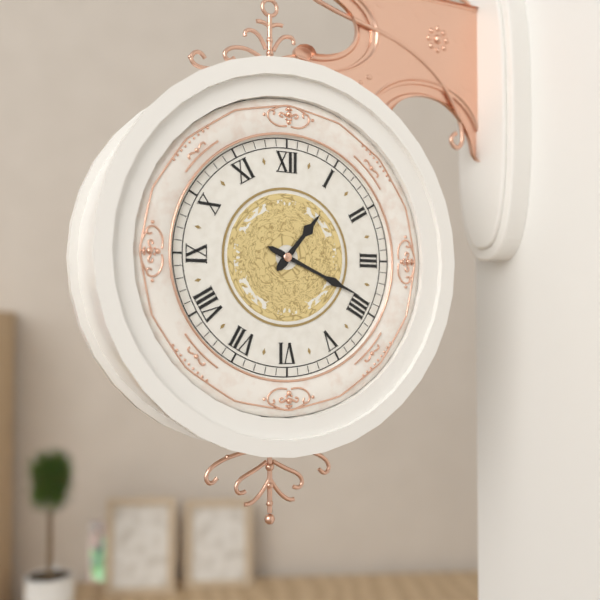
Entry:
1,19
